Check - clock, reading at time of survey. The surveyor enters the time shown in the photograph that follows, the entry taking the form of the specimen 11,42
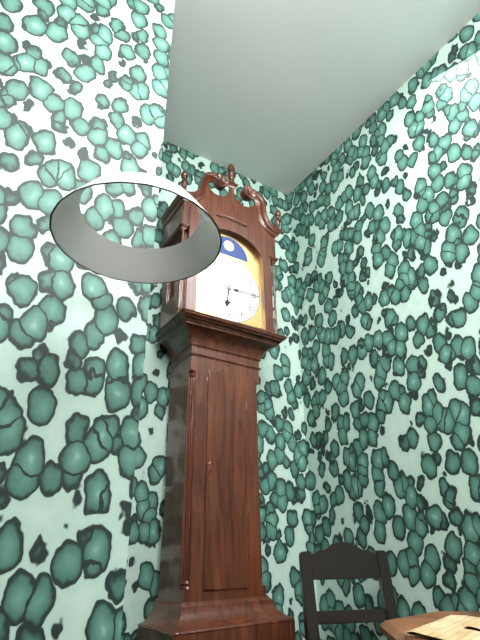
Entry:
6,15
